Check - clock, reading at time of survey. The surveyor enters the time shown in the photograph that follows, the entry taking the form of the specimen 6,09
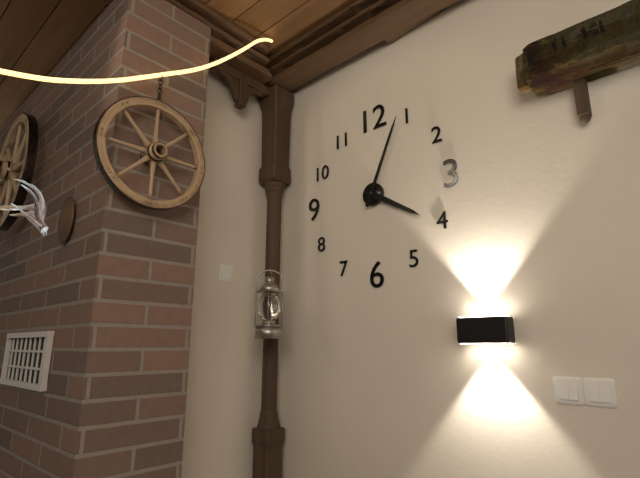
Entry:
4,04
